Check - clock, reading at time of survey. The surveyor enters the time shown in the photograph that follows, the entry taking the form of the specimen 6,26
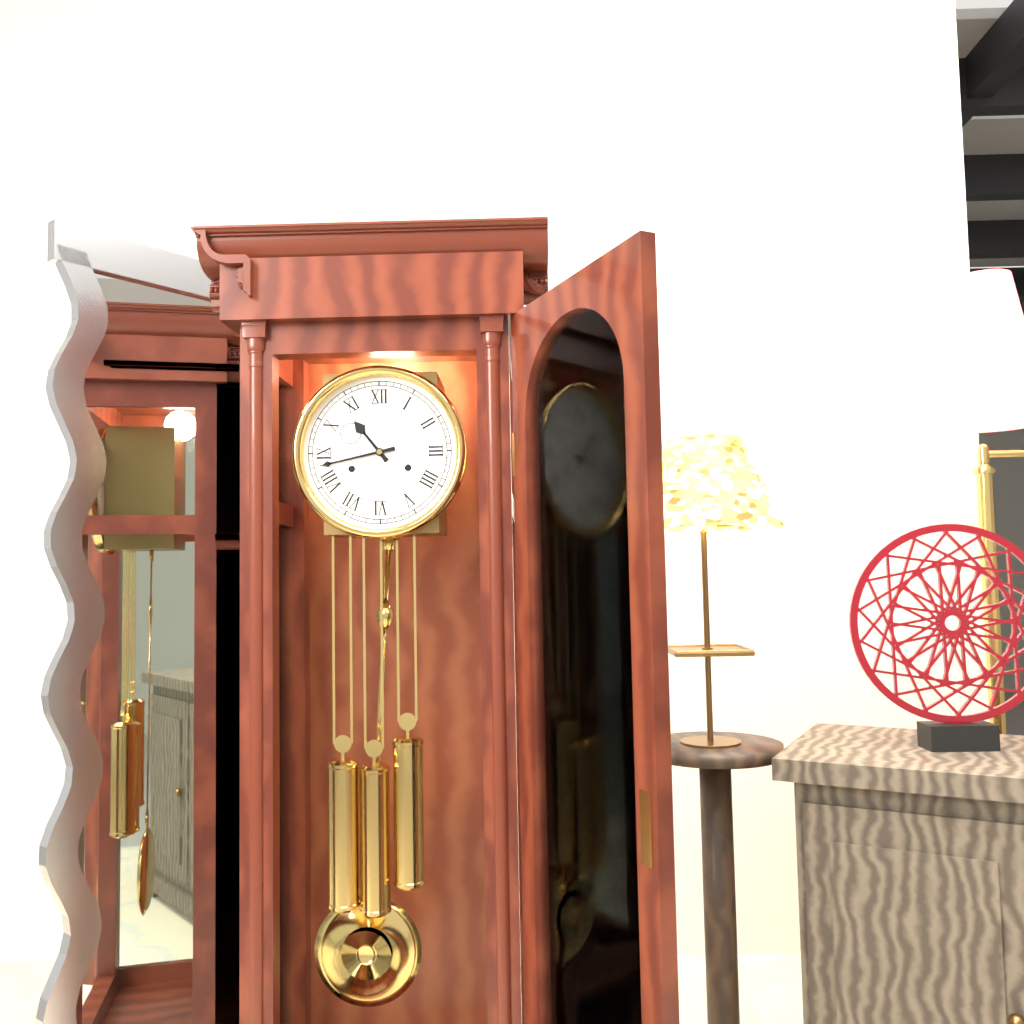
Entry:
10,43
